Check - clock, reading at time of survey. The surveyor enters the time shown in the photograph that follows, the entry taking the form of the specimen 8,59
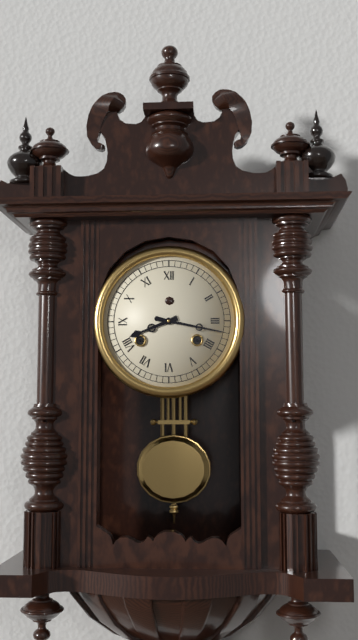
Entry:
8,17
